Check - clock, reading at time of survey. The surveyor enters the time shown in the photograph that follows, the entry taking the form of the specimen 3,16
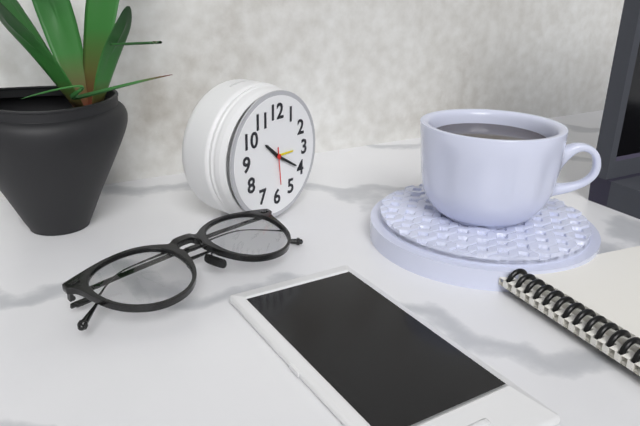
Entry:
10,20
